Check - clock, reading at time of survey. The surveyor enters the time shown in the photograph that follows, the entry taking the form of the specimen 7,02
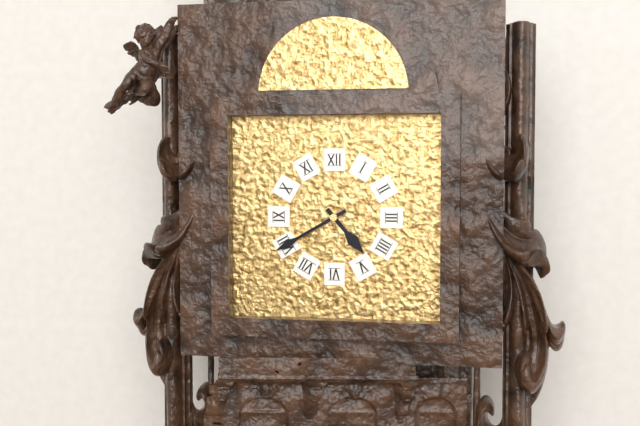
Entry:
4,40
